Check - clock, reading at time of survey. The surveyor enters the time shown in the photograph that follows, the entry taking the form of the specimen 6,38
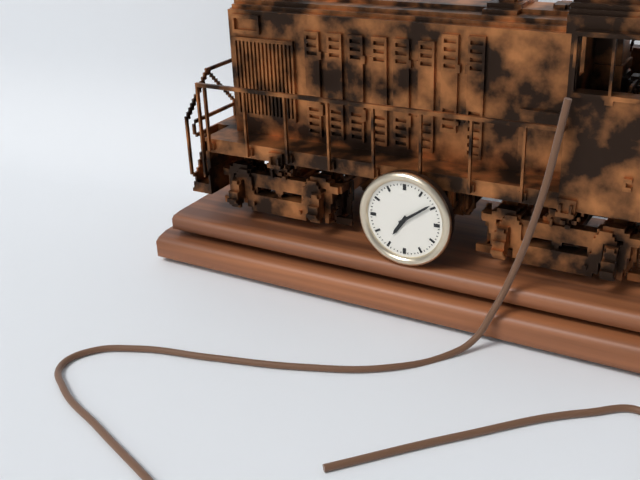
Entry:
7,09
